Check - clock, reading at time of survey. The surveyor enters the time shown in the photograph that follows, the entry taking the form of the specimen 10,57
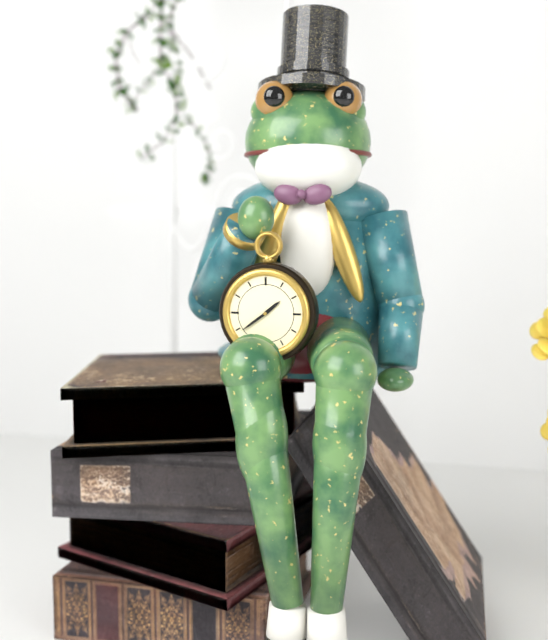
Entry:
1,39
